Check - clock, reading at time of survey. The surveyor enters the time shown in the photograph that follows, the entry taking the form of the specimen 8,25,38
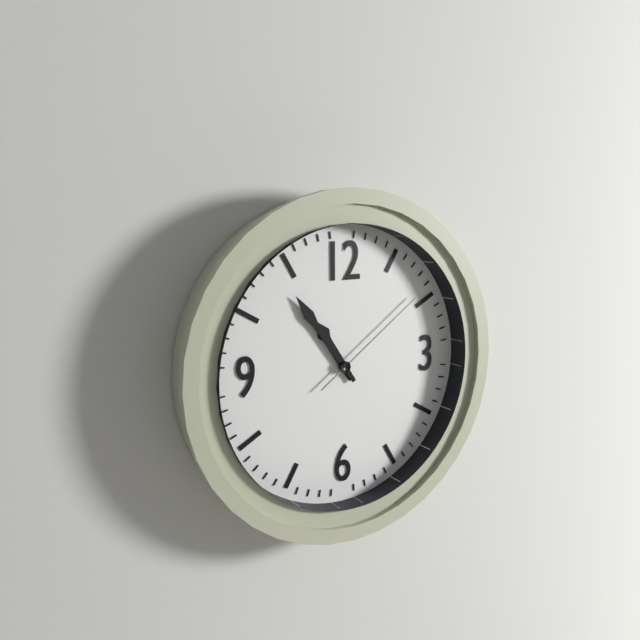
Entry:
10,54,09
